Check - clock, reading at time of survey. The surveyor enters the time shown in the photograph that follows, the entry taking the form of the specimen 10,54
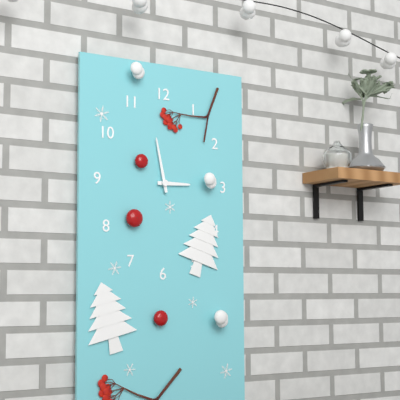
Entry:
2,58
